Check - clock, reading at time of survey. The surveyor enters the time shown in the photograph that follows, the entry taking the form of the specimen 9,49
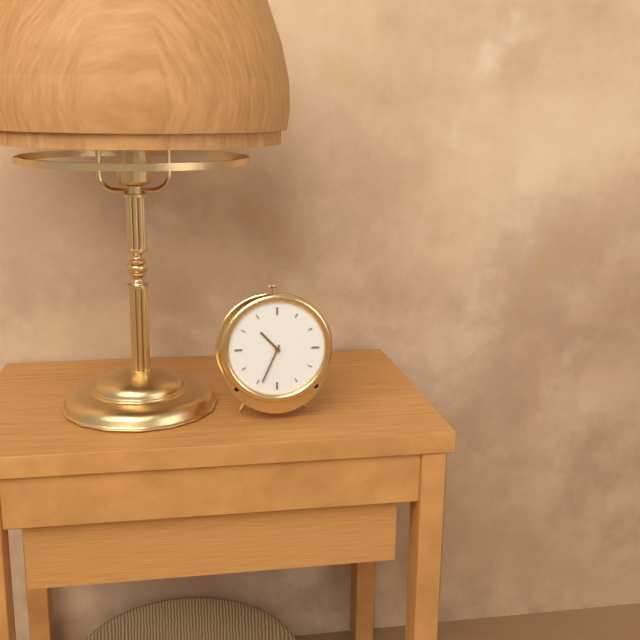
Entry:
10,34
